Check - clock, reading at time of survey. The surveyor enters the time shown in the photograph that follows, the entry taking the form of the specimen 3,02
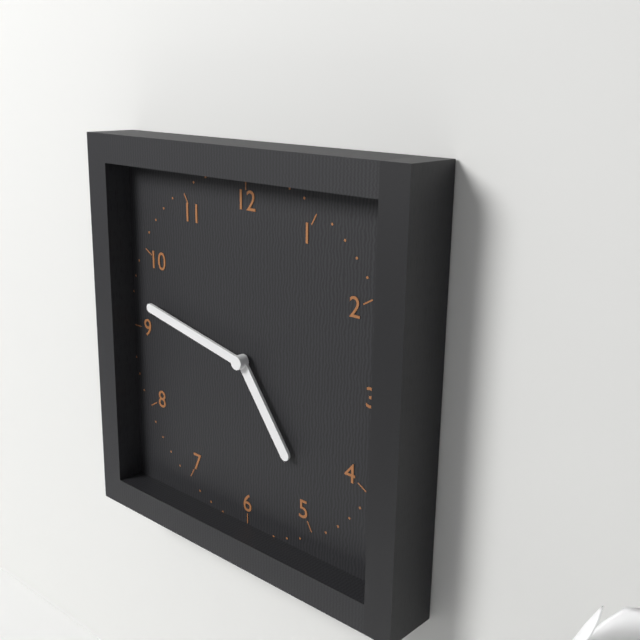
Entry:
4,47
